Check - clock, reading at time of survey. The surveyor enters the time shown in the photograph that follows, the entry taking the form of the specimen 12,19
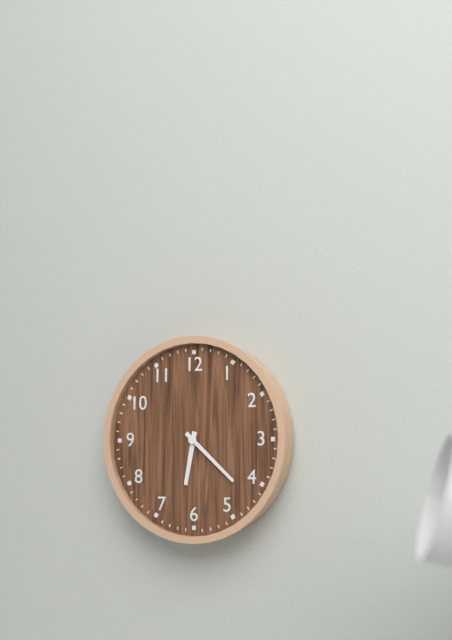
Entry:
6,22
